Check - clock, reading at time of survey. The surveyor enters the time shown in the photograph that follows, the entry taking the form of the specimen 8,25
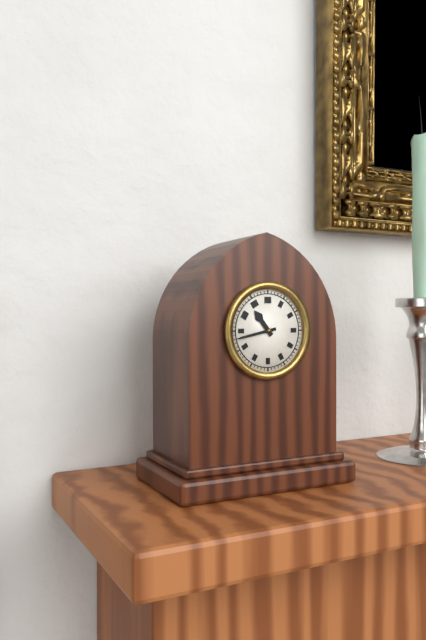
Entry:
10,43
